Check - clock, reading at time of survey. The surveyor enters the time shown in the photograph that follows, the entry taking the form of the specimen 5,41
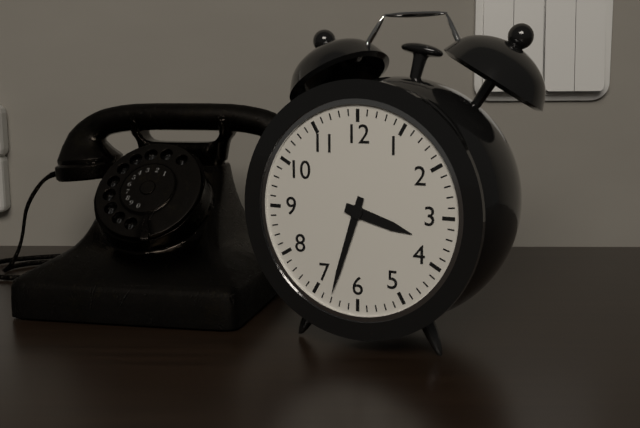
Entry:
3,33
